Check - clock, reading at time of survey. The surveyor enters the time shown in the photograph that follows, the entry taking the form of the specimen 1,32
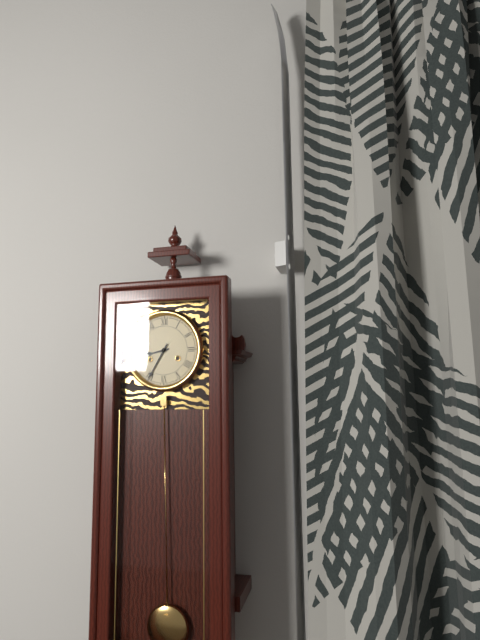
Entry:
8,35
